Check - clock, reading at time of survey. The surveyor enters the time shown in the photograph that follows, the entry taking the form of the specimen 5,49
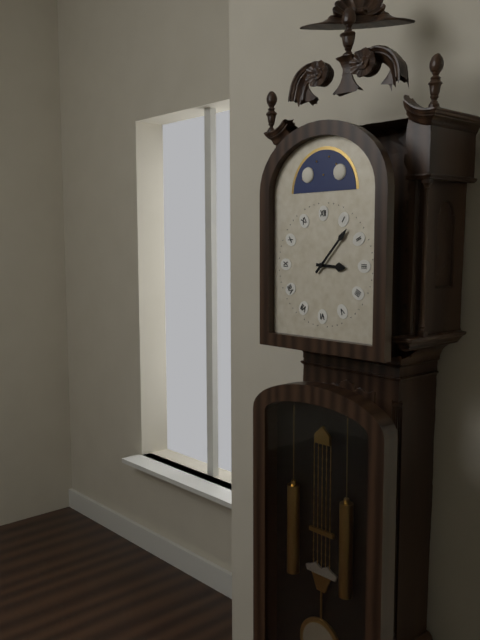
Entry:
3,07
